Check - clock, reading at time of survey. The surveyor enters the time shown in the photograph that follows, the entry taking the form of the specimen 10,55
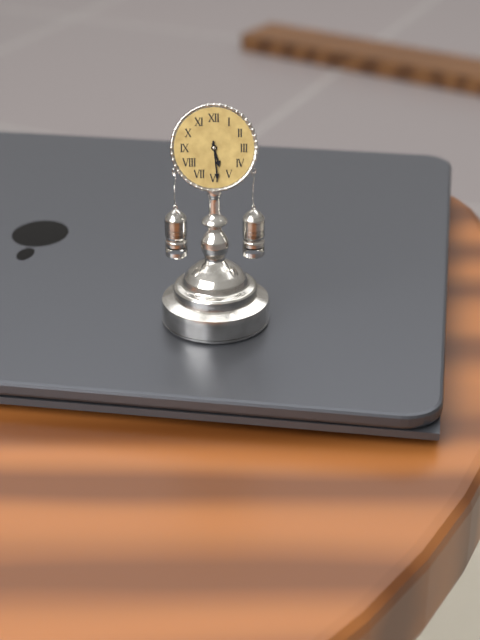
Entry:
5,29
